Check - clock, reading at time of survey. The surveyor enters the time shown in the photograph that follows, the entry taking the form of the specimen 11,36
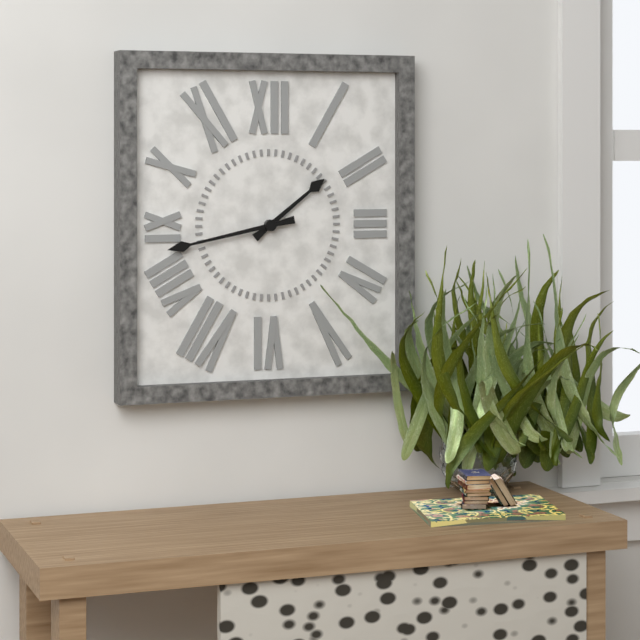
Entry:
1,43
